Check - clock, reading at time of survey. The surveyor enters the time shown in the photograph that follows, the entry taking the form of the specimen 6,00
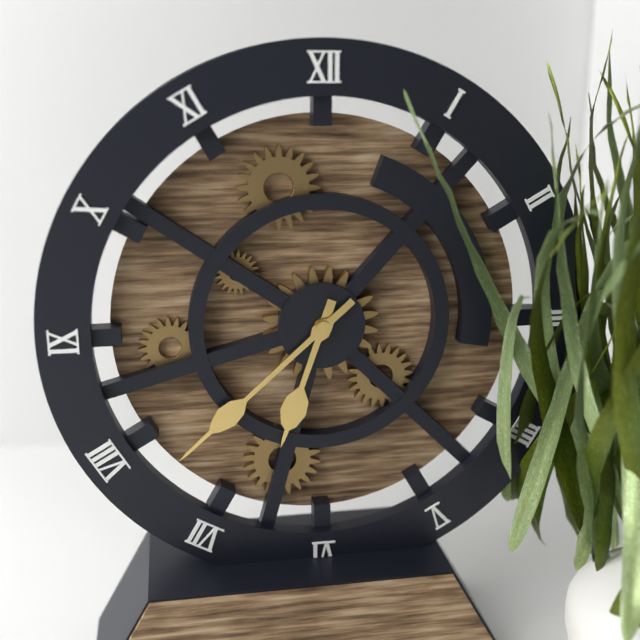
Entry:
6,38
